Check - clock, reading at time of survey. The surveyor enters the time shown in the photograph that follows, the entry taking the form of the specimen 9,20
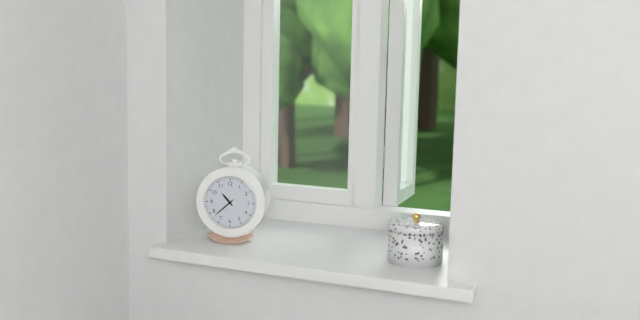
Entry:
10,38
